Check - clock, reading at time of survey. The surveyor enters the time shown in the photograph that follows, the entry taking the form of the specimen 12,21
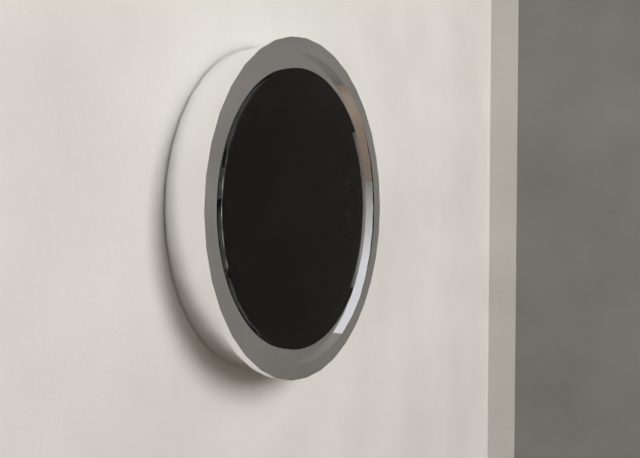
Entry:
6,11
